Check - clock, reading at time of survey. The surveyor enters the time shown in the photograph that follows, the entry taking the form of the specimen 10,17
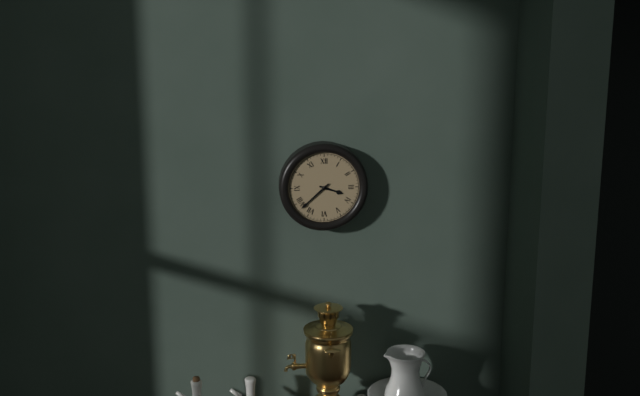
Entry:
3,38
